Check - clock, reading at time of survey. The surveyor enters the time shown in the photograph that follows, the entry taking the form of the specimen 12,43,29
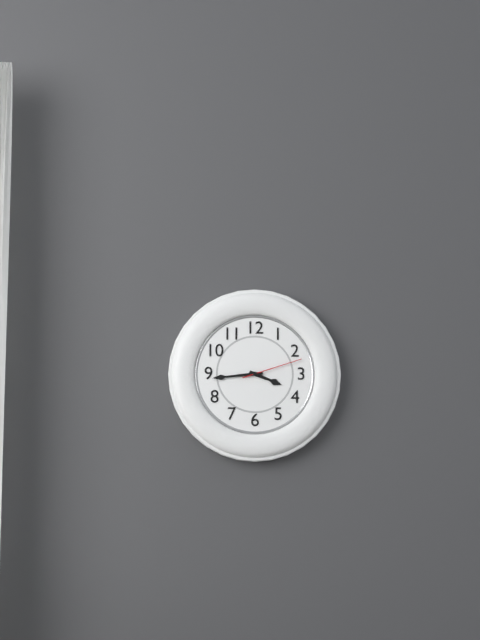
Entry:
3,44,12
